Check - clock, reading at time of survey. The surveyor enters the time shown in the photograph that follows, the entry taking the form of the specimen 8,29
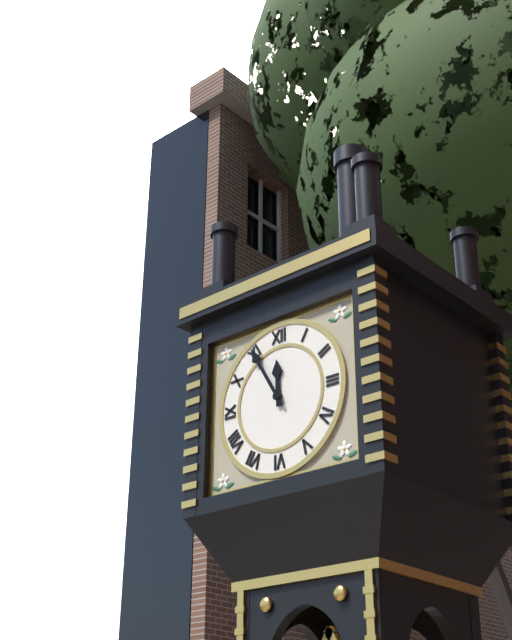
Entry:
11,55
